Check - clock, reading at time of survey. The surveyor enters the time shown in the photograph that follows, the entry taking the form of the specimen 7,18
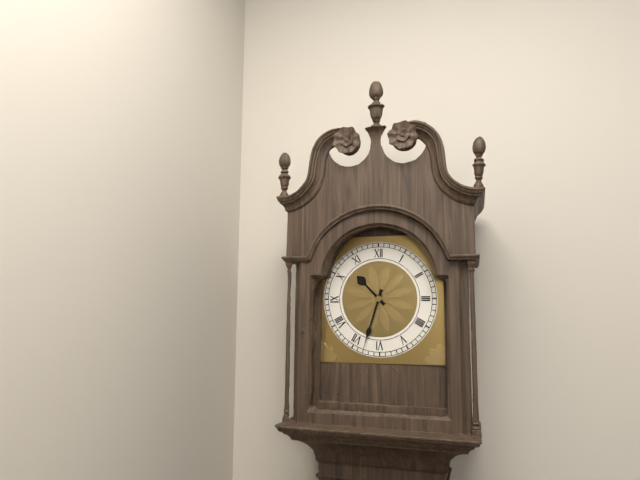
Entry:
10,33
